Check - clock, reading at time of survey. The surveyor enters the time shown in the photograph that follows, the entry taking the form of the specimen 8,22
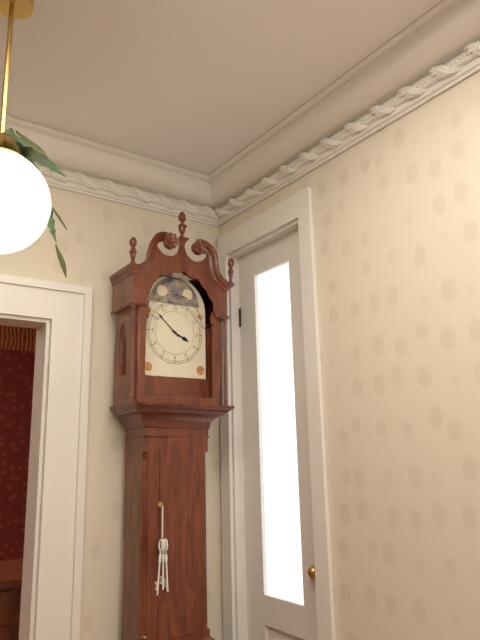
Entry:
3,52
